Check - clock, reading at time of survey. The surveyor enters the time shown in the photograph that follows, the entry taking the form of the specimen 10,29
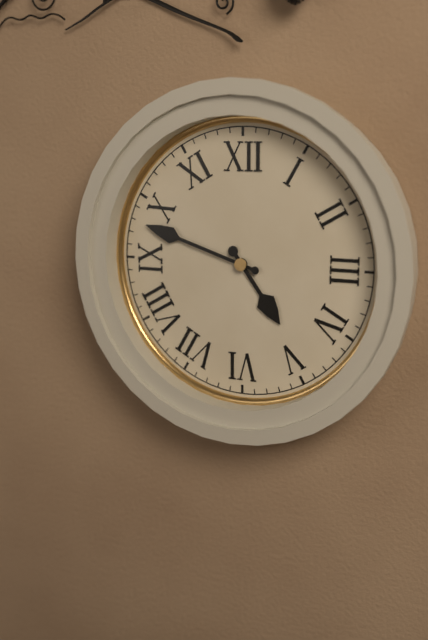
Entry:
4,48
